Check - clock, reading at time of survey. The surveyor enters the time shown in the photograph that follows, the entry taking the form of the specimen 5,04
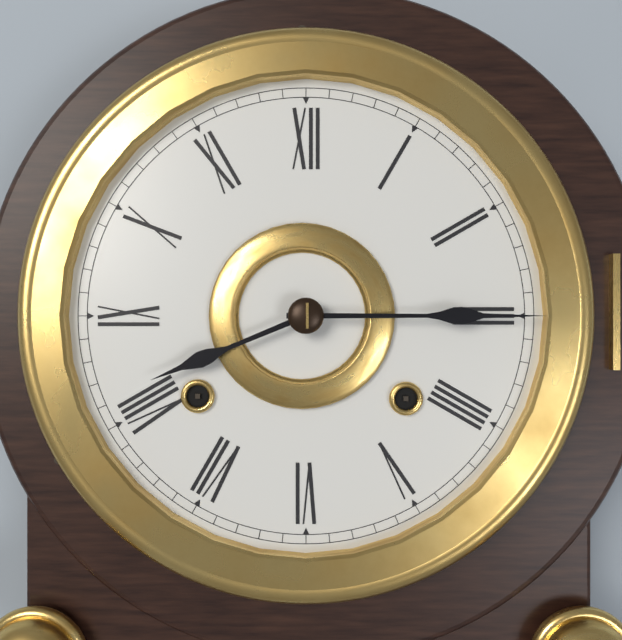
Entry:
8,15
